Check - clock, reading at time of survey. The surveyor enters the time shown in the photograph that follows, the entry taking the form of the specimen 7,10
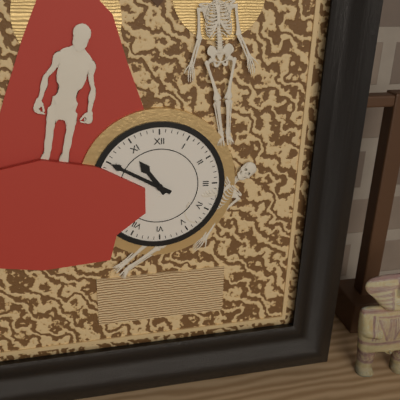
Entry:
10,50
